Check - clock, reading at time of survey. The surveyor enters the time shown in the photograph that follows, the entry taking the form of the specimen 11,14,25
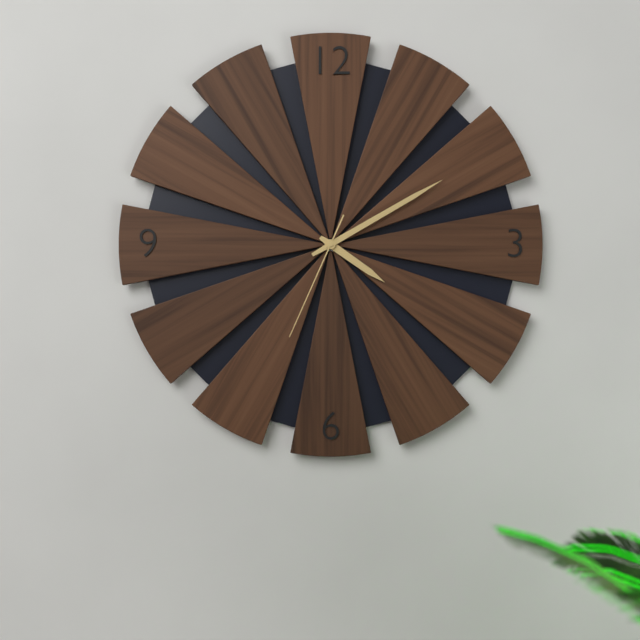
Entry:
4,10,34
